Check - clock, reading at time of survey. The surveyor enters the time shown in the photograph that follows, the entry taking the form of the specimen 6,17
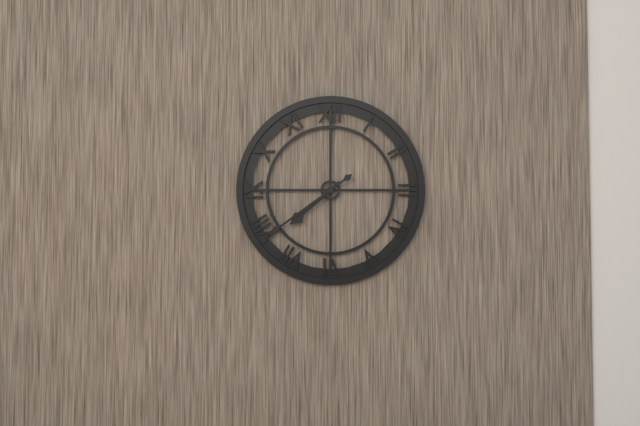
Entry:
7,39
